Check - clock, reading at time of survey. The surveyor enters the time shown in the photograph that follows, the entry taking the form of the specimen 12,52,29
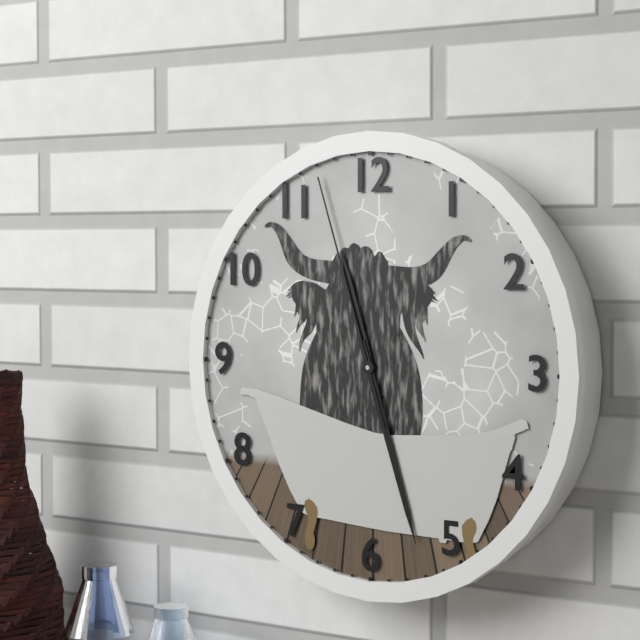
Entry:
11,27,57
